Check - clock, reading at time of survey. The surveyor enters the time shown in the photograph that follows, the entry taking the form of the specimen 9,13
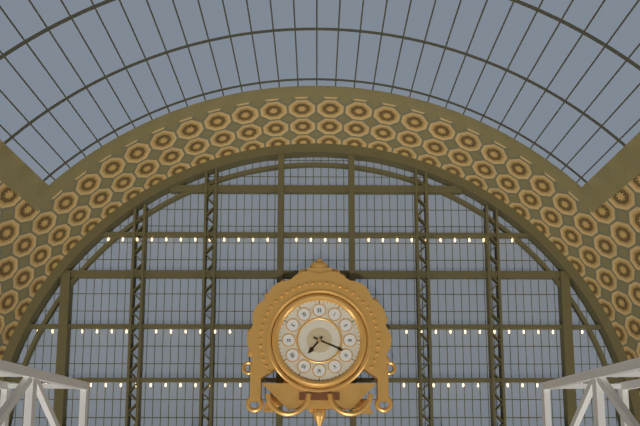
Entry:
7,19
